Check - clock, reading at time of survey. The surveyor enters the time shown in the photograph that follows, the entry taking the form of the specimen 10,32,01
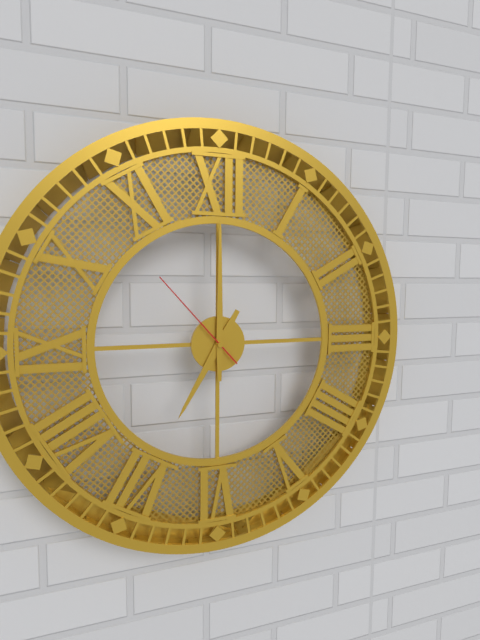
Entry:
7,00,53
